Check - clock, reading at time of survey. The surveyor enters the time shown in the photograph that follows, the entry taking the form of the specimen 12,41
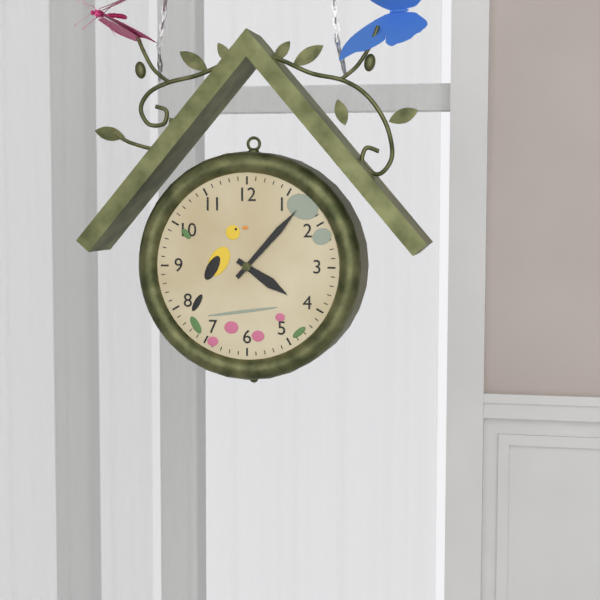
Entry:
4,07
